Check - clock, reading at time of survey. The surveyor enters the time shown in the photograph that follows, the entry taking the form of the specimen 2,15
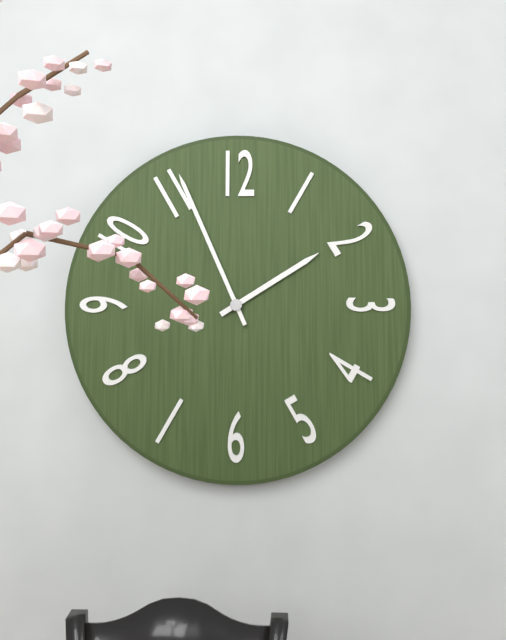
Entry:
1,56
